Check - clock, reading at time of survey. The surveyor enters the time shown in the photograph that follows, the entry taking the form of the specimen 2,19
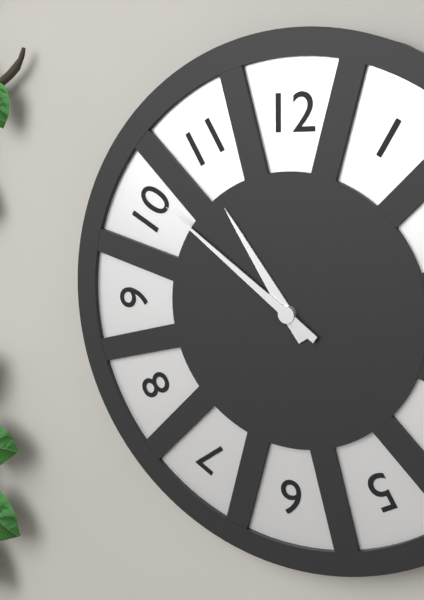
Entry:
10,51
